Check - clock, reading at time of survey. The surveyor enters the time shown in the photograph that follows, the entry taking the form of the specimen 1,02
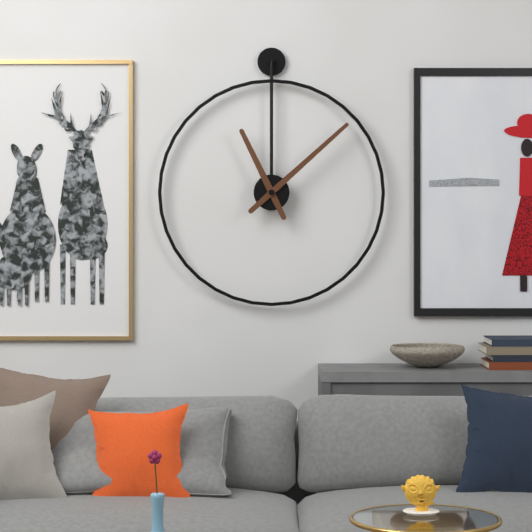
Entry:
11,08
